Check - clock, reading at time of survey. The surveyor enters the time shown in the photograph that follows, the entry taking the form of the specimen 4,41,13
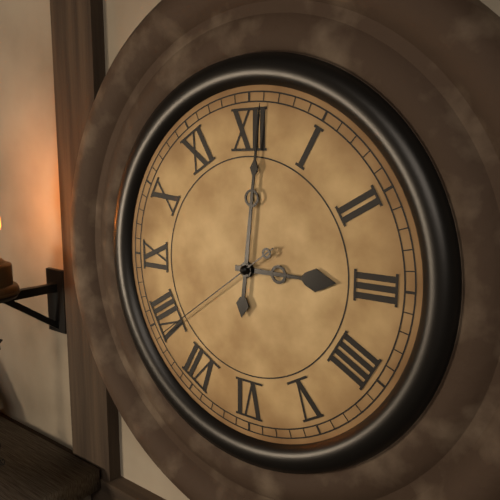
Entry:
3,01,39
